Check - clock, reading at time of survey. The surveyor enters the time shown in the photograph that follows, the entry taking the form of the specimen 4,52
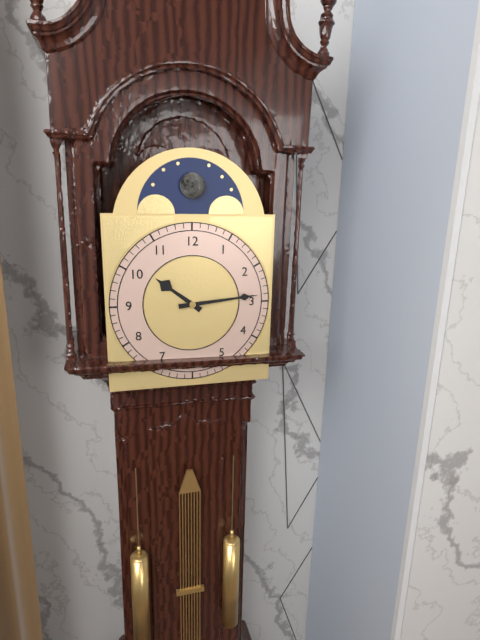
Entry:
10,14
